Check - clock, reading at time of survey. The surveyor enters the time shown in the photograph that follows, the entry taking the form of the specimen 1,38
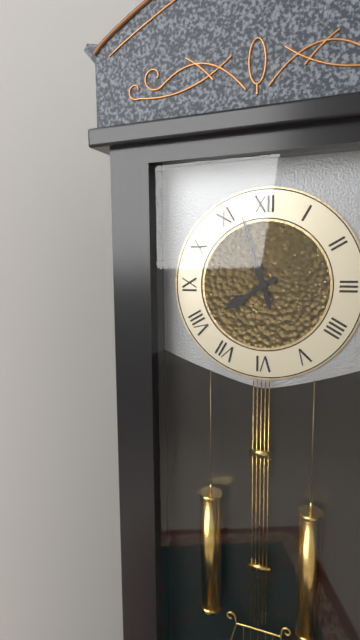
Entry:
7,57
